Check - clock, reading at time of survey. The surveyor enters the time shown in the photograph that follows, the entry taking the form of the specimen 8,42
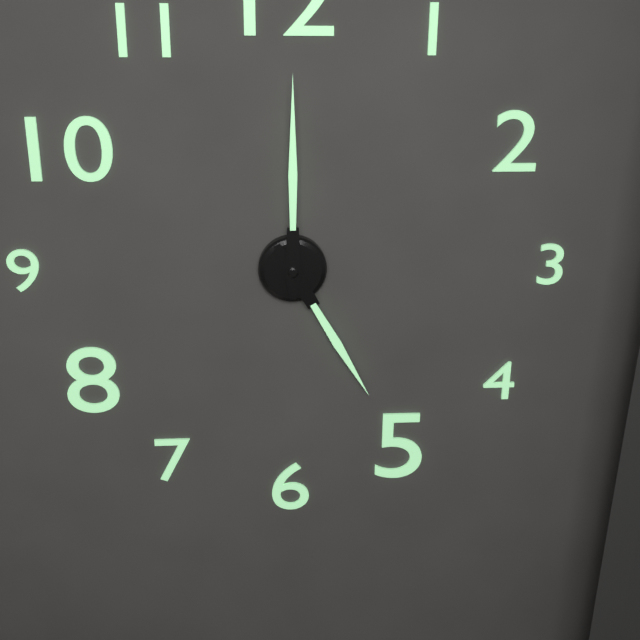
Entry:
5,00
